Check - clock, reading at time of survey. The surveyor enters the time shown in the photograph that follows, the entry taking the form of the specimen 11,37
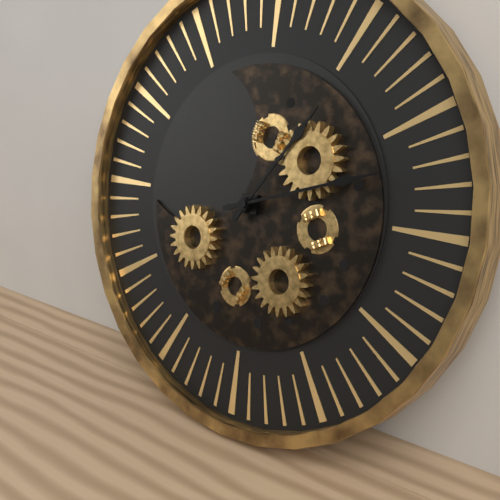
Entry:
1,12
